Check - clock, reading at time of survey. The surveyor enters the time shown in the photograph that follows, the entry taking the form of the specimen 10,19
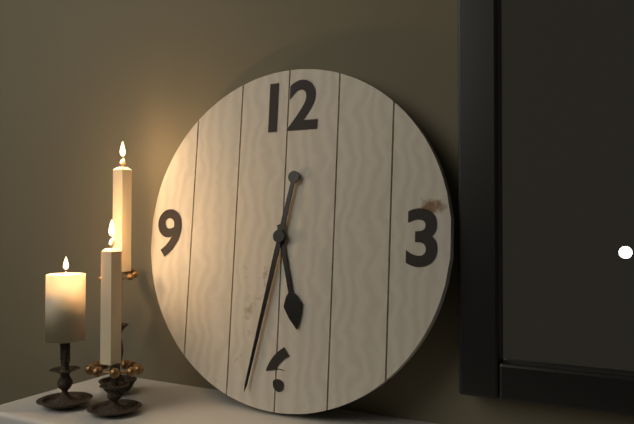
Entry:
5,32
